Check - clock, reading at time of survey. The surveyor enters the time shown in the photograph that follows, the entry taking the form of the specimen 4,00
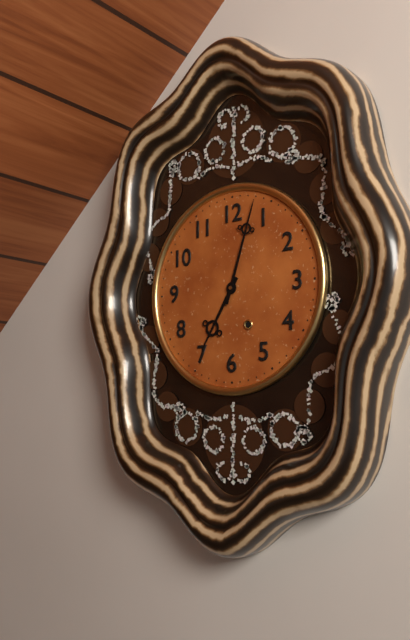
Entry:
7,03
